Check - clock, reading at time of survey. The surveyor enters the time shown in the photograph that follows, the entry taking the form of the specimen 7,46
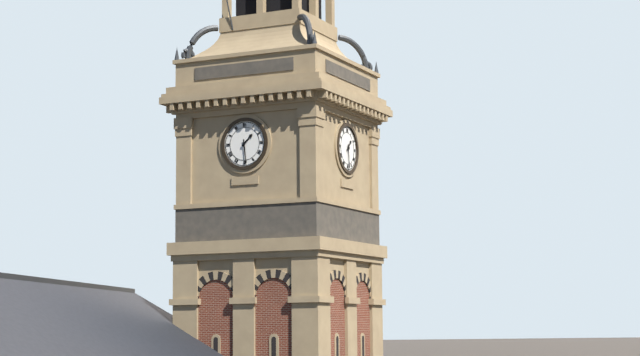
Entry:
1,29
